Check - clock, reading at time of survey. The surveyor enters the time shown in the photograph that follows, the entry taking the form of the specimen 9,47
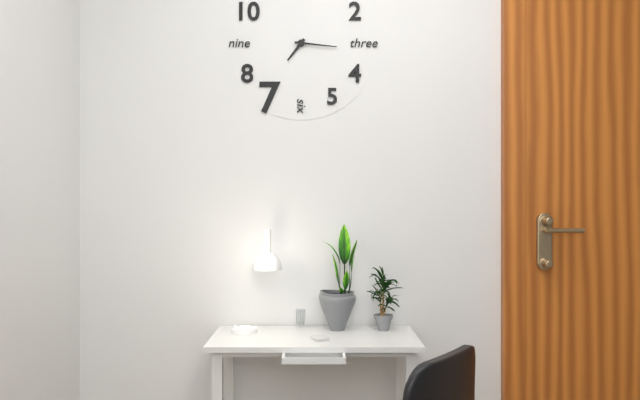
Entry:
7,16
